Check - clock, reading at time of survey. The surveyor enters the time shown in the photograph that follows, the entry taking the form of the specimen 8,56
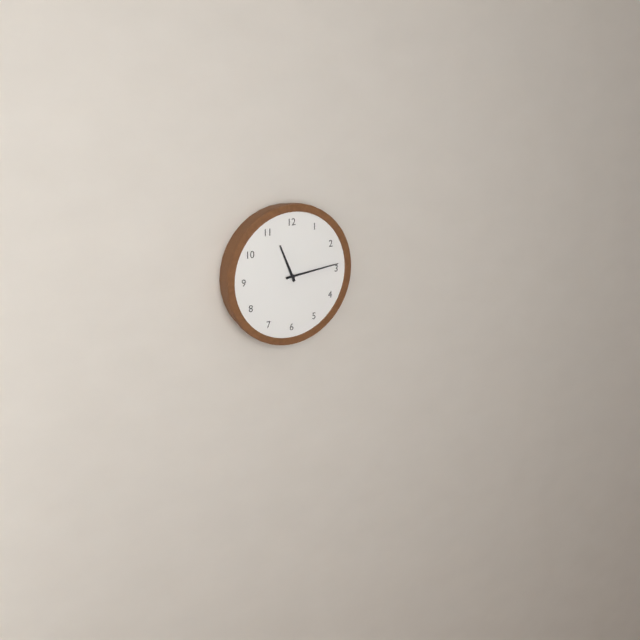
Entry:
11,14
